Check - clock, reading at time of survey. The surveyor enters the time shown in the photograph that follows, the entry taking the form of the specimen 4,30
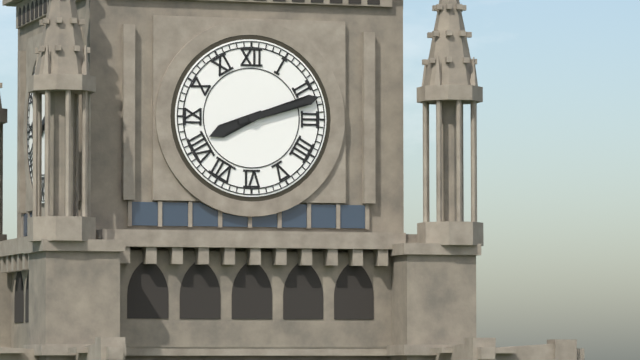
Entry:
8,12
